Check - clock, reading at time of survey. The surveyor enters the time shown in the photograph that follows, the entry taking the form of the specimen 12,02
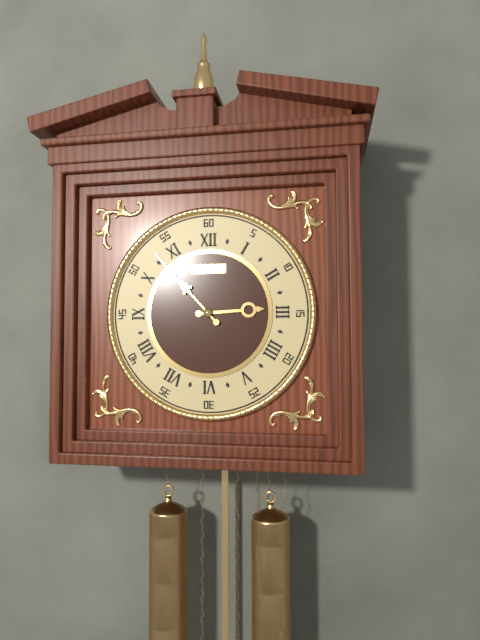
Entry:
2,53
